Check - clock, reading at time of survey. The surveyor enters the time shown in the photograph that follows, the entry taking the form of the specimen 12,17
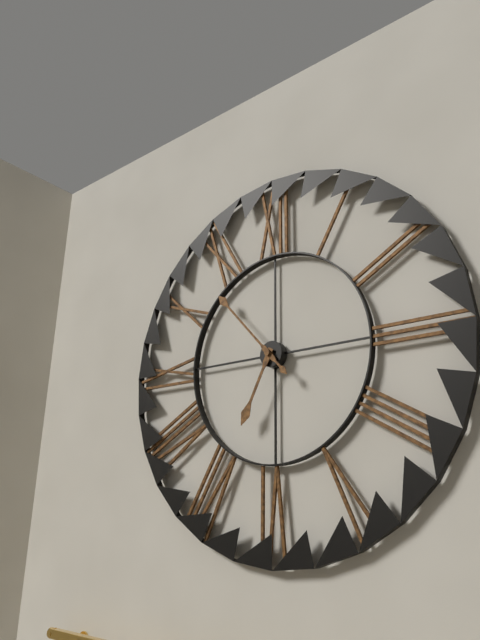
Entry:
6,53
